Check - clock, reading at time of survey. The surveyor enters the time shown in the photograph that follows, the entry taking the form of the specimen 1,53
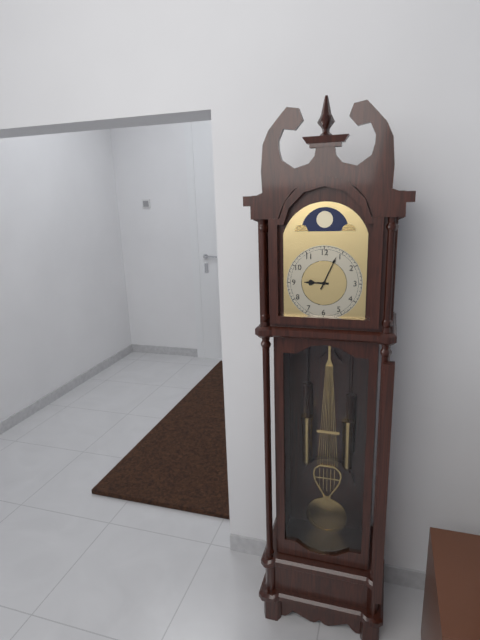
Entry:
9,04
